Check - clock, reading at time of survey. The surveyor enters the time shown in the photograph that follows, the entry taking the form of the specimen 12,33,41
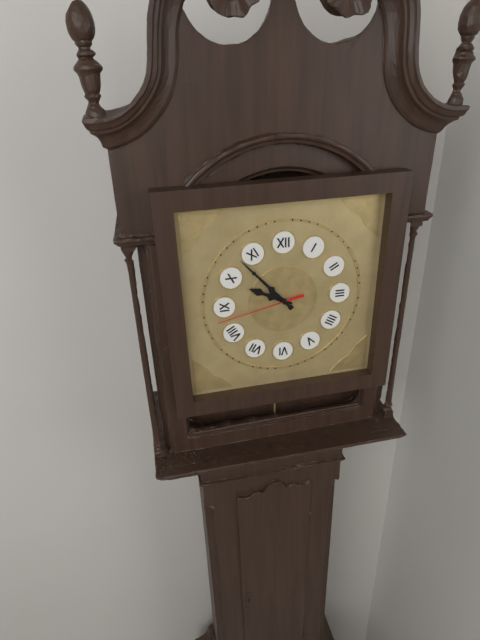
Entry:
9,53,43
